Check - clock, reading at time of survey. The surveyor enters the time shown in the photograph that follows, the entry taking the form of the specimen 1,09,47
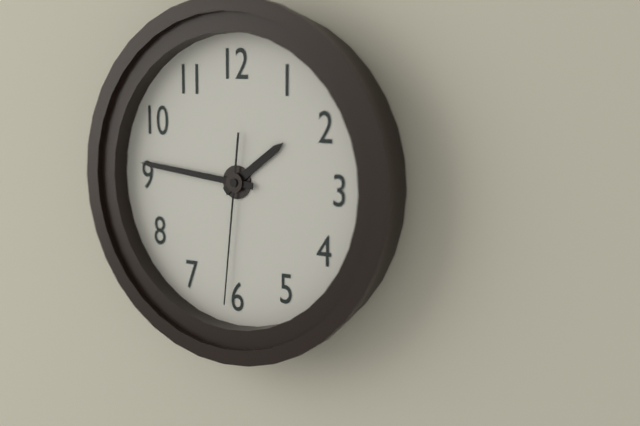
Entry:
1,46,31
